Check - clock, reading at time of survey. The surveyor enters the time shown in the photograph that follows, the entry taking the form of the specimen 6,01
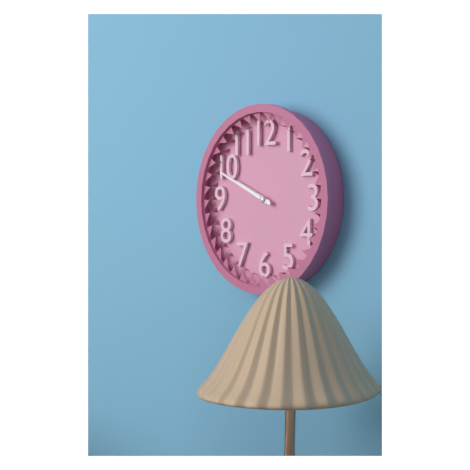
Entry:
9,49
